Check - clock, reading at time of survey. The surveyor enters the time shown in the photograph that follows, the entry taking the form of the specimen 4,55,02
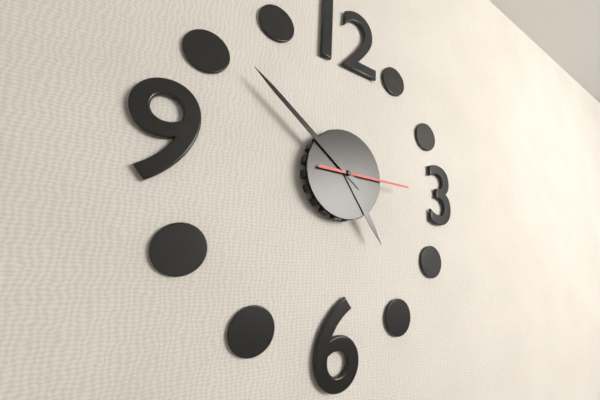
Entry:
4,51,15
